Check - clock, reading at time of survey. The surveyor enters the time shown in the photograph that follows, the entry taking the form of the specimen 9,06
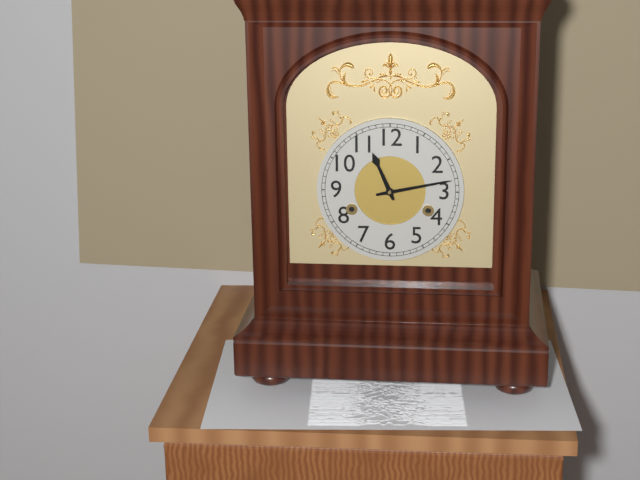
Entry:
11,13
